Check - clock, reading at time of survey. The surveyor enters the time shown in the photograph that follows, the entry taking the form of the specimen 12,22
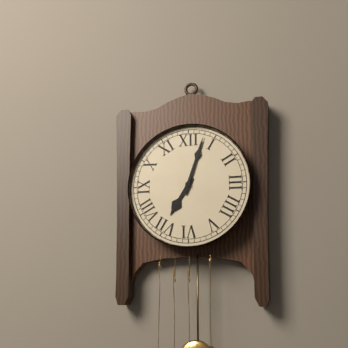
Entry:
7,03
